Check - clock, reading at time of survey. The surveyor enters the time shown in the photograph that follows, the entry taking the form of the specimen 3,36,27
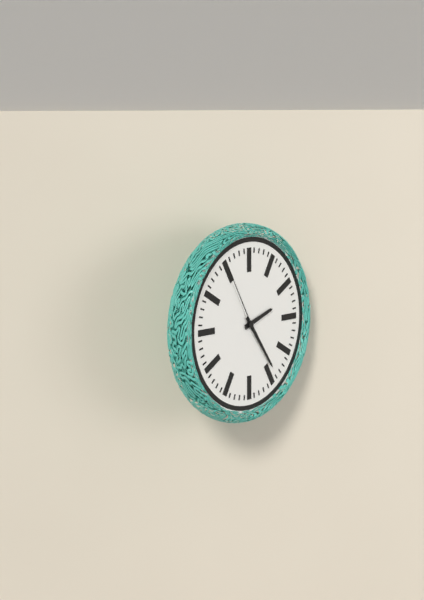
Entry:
2,24,55
